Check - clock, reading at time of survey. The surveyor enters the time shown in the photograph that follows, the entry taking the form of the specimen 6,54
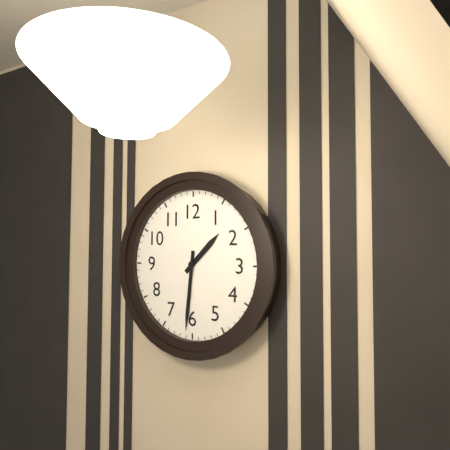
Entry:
1,31
